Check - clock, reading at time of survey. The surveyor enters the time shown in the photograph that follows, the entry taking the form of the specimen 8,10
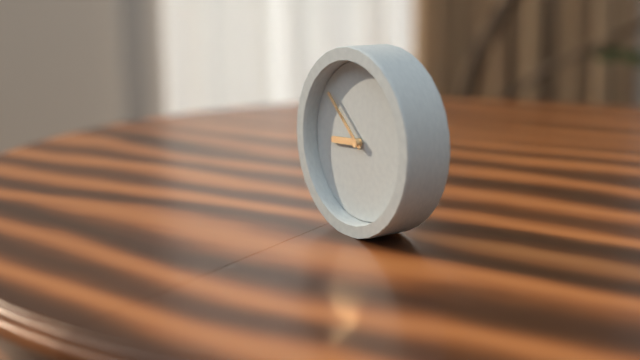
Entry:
8,52
